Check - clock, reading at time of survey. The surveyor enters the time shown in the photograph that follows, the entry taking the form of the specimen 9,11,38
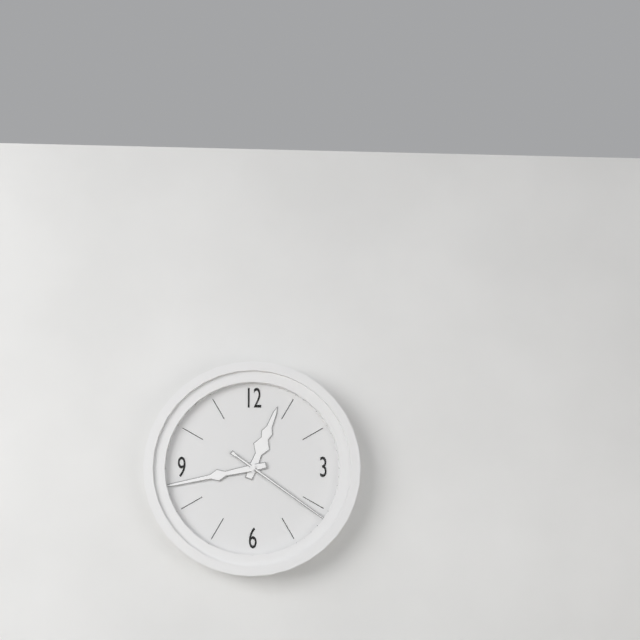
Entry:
12,43,21
